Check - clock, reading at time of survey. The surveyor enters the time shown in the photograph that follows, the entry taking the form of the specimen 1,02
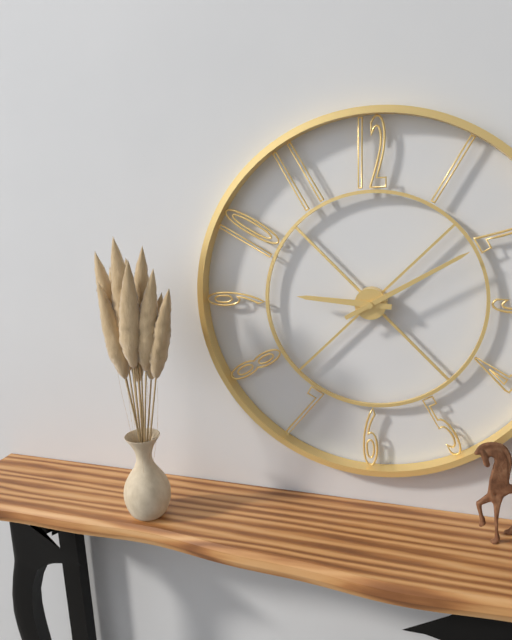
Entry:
9,10
